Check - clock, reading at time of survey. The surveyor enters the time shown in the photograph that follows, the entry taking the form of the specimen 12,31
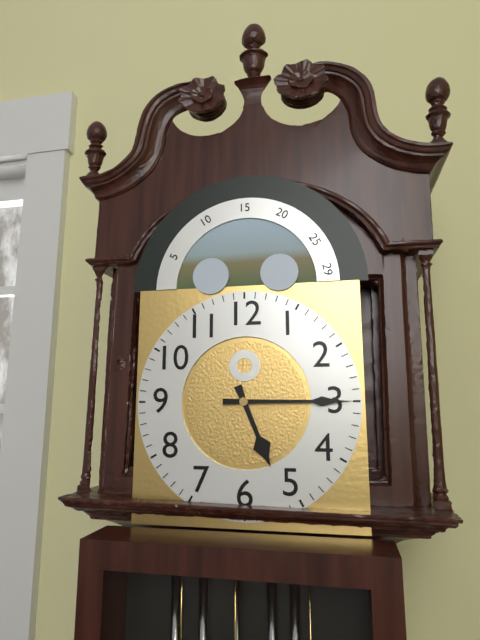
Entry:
5,15
